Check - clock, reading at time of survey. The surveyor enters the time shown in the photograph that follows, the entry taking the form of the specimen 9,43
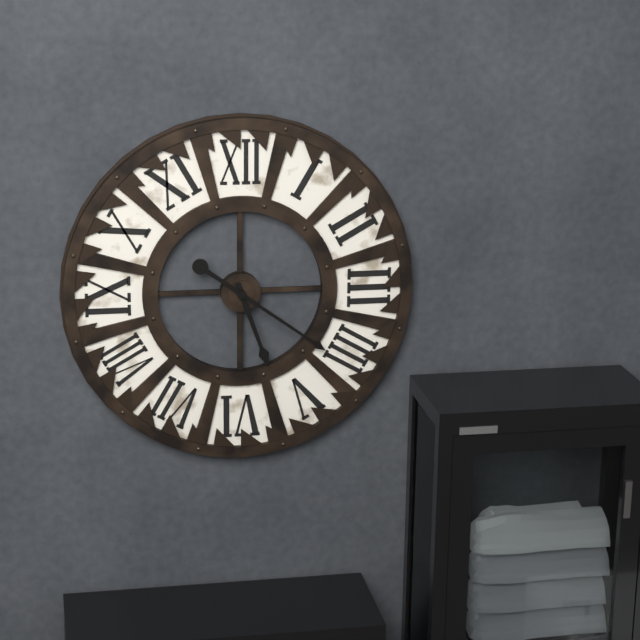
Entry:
5,21
